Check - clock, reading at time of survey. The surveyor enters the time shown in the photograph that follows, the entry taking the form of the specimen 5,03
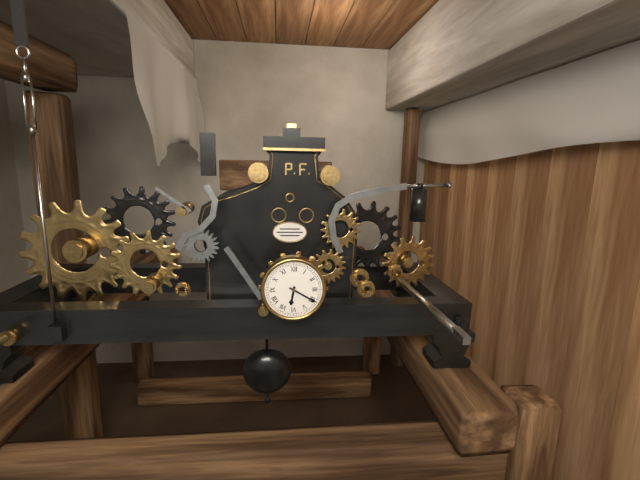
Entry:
6,20
